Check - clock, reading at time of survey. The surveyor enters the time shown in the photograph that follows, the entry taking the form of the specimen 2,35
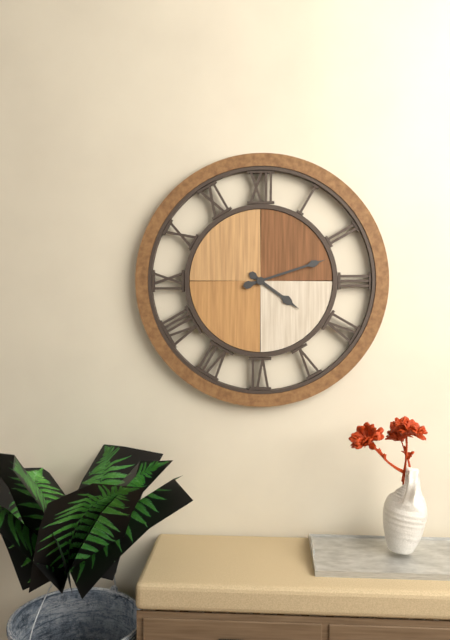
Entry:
4,12
